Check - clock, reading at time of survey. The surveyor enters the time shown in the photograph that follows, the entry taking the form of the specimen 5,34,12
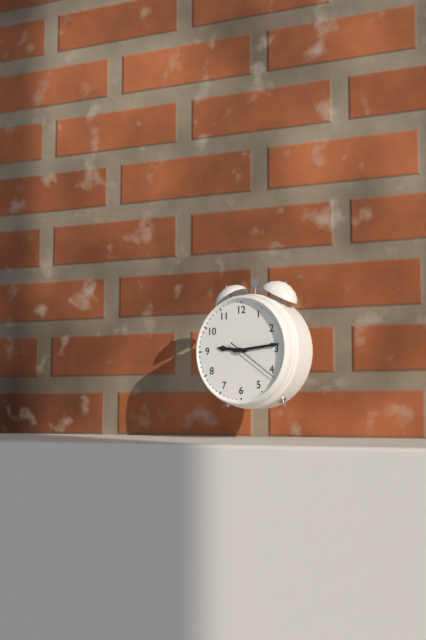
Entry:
9,14,21
